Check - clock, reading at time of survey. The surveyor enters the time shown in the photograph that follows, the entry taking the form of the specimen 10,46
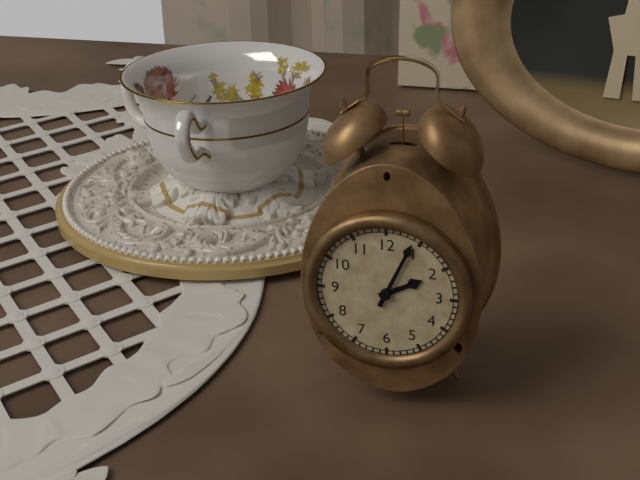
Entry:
2,04
